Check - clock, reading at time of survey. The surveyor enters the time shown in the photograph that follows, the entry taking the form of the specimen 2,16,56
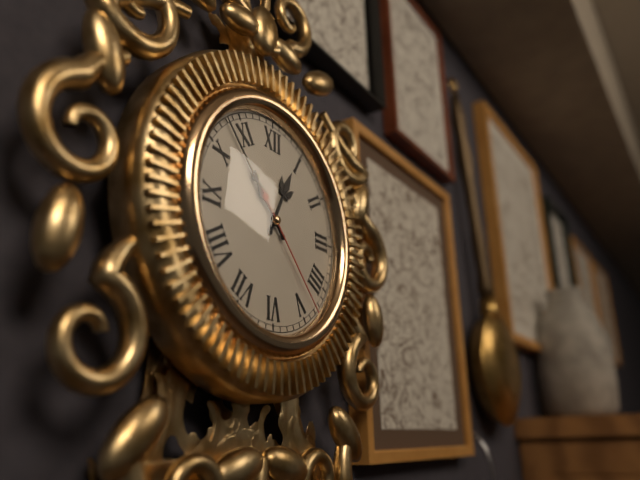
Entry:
12,53,23
